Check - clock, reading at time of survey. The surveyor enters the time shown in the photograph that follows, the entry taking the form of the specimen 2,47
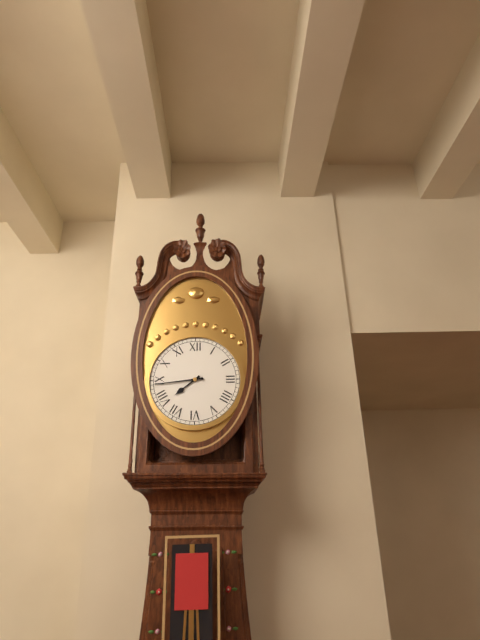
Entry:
7,44
